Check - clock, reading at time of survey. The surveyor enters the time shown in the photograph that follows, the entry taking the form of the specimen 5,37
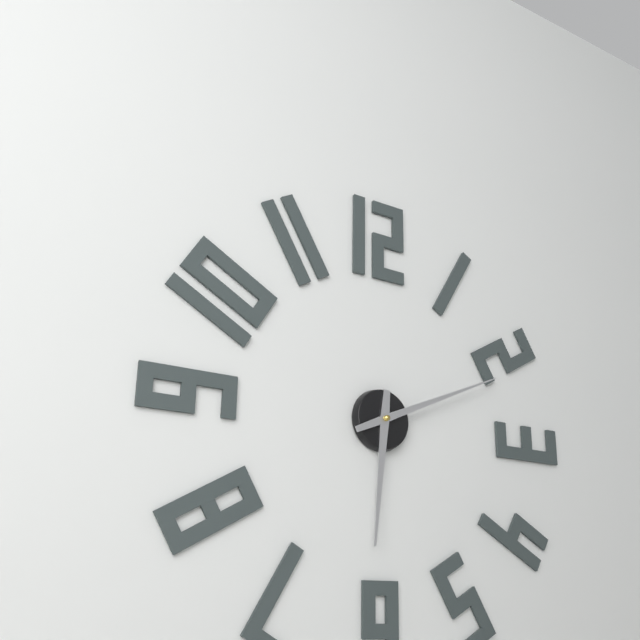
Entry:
6,11
